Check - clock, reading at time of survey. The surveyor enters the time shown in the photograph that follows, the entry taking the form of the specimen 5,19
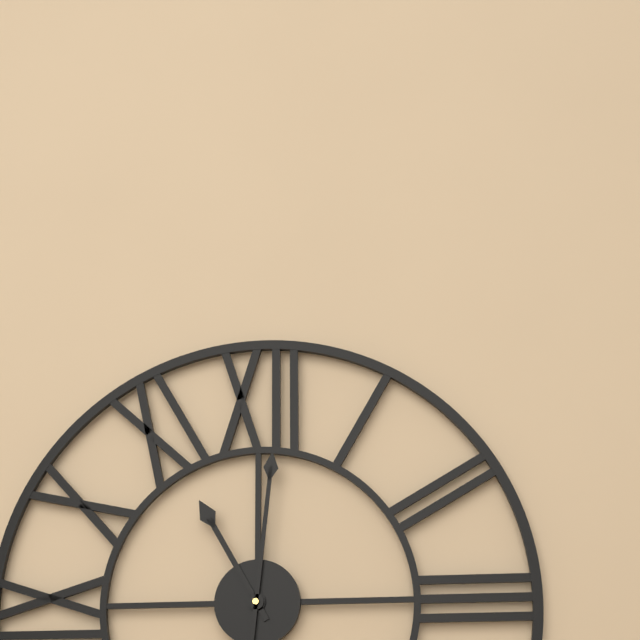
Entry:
11,01
